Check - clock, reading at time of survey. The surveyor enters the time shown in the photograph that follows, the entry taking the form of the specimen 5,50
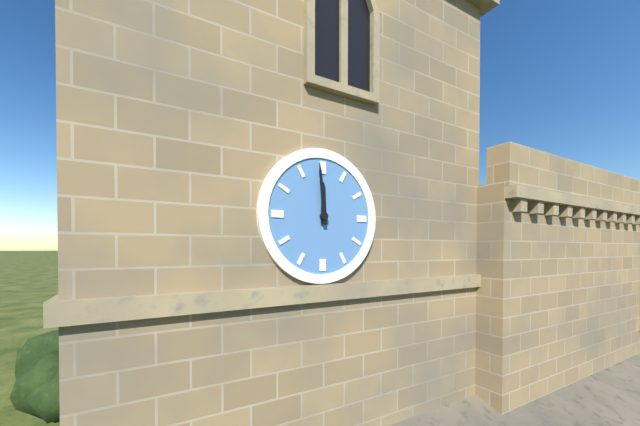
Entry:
11,59
